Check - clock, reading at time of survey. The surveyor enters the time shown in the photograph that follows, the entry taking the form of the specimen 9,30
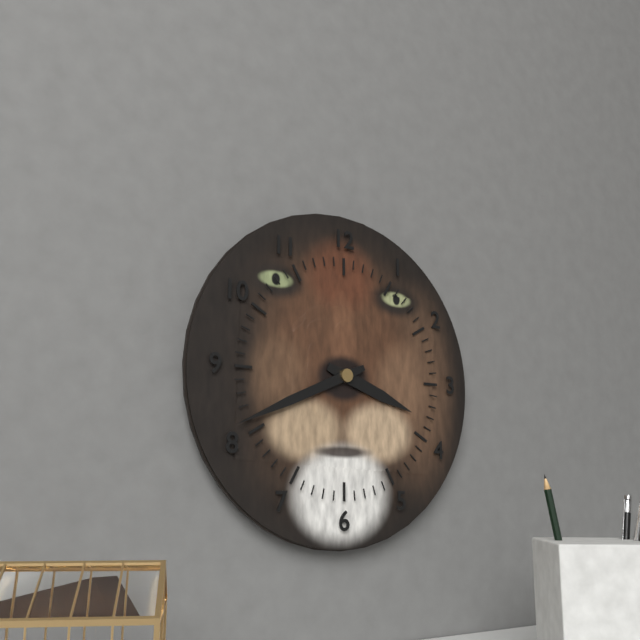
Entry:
3,41
